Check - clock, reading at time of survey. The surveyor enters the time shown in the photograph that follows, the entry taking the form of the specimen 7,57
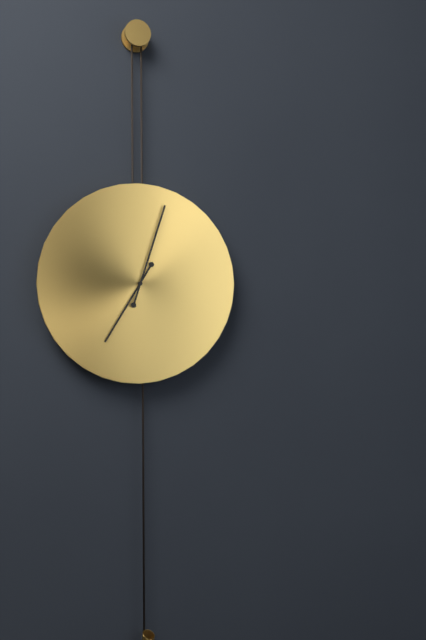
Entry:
7,03
